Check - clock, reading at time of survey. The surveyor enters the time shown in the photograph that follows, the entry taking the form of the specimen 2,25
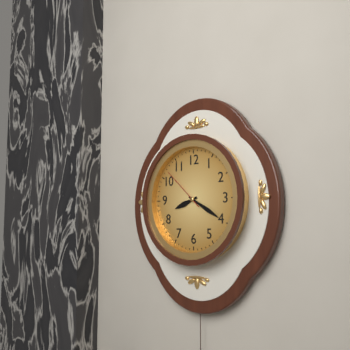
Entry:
8,20
